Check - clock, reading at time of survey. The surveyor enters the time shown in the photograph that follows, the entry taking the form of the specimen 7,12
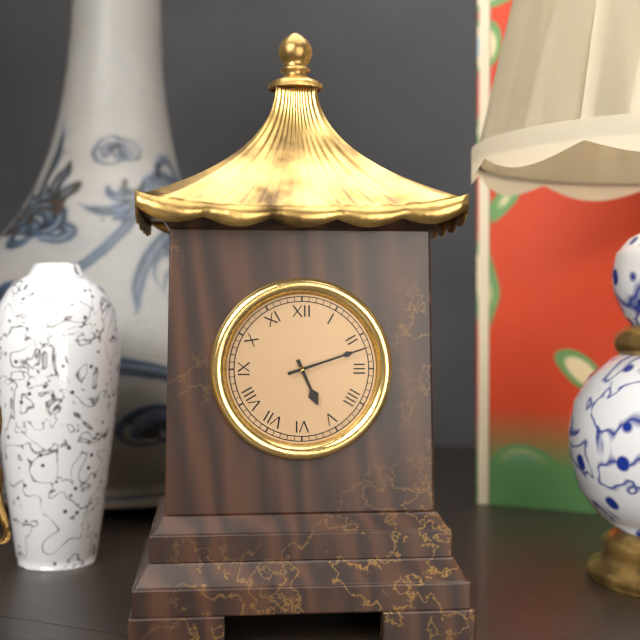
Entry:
5,12
